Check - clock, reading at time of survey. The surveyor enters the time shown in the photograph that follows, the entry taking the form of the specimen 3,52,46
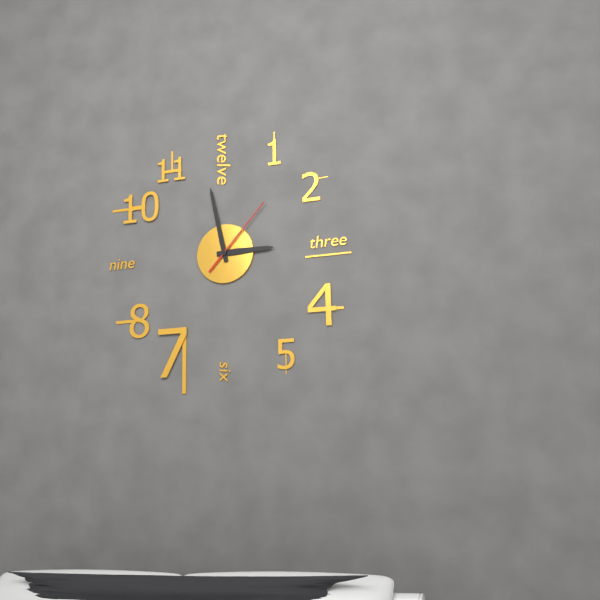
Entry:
2,58,07
